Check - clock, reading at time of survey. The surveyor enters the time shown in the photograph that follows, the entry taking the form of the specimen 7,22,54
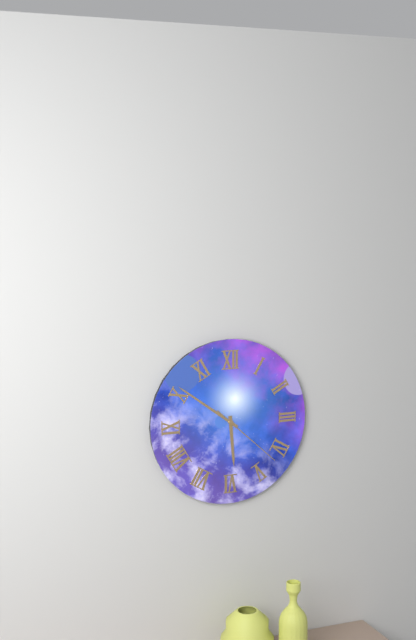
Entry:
5,51,22
